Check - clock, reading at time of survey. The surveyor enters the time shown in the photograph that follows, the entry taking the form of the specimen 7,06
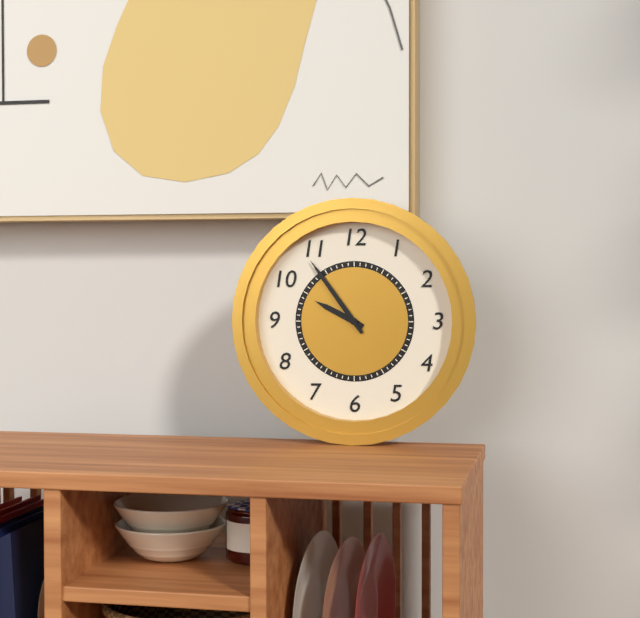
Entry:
9,54
